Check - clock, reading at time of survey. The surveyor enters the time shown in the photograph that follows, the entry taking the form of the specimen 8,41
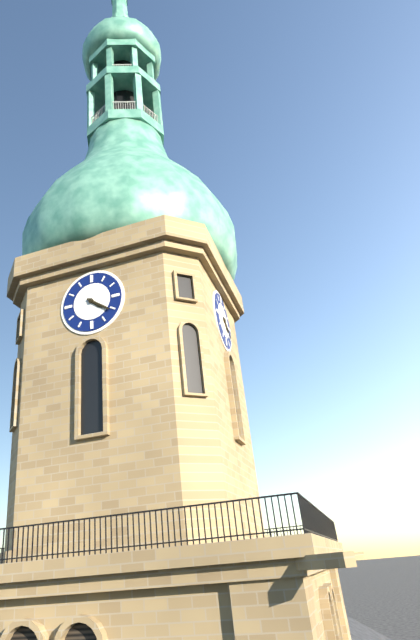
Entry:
4,21
